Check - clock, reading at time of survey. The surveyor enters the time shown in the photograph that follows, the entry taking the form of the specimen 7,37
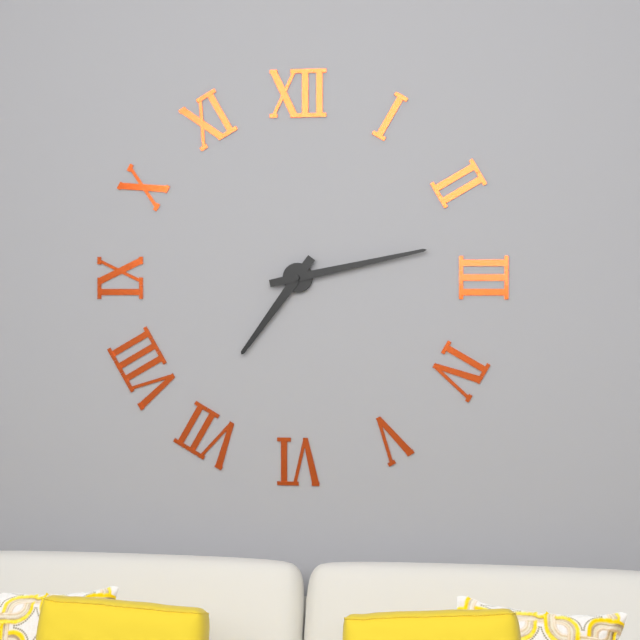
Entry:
7,13
